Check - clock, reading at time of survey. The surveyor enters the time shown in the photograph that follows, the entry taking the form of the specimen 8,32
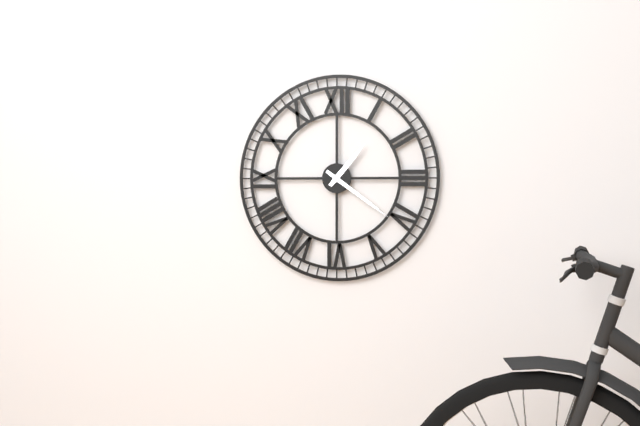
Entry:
1,21
